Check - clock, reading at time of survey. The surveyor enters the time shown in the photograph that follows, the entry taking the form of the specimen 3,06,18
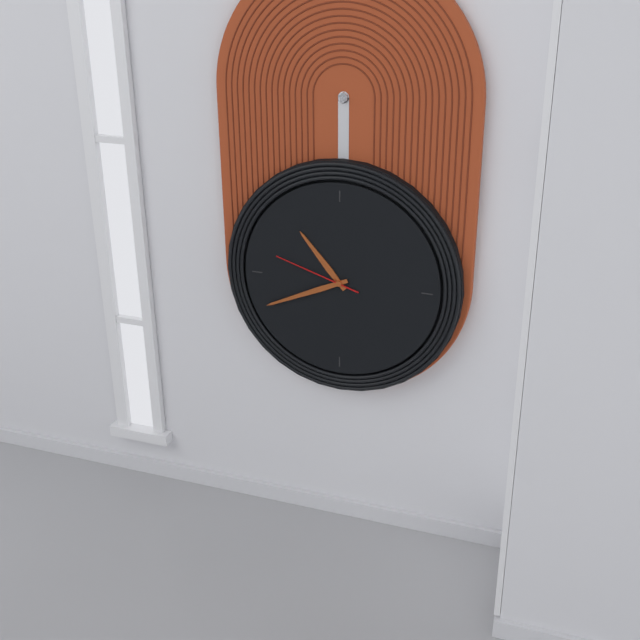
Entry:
10,41,48
